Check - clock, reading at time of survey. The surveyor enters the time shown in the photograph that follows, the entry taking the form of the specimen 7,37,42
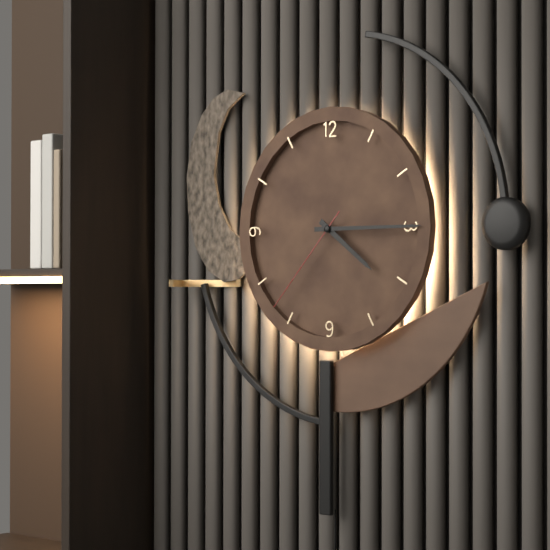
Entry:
4,15,37
